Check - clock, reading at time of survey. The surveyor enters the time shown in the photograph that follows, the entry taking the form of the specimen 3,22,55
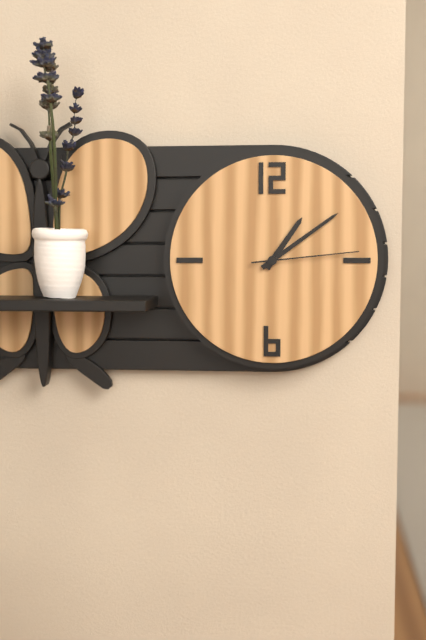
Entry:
1,09,14
